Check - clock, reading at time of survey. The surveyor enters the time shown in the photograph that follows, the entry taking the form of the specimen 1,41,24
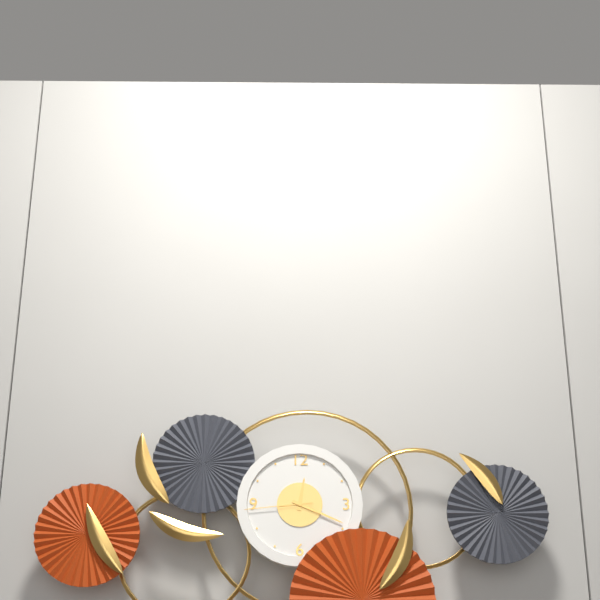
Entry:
12,19,44
